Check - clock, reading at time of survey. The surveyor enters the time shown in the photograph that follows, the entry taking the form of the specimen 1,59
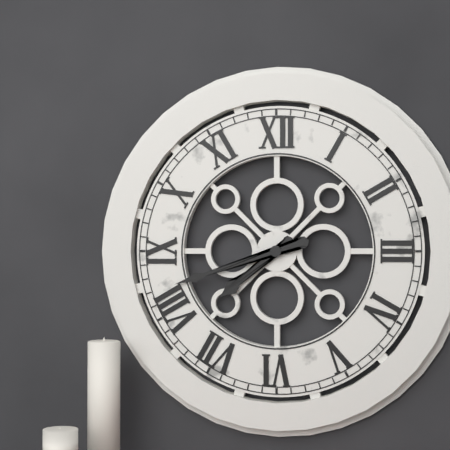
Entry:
7,42
